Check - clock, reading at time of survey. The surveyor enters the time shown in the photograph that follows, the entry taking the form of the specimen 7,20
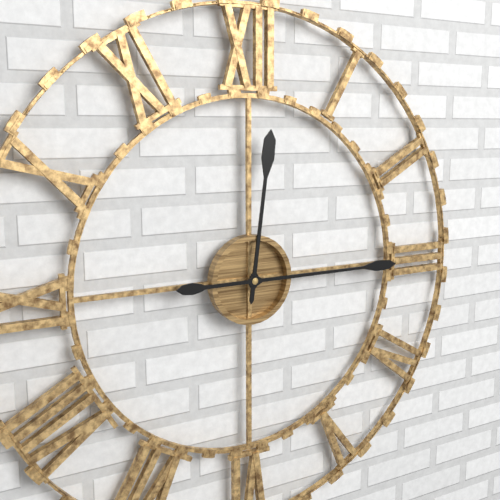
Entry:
12,15
